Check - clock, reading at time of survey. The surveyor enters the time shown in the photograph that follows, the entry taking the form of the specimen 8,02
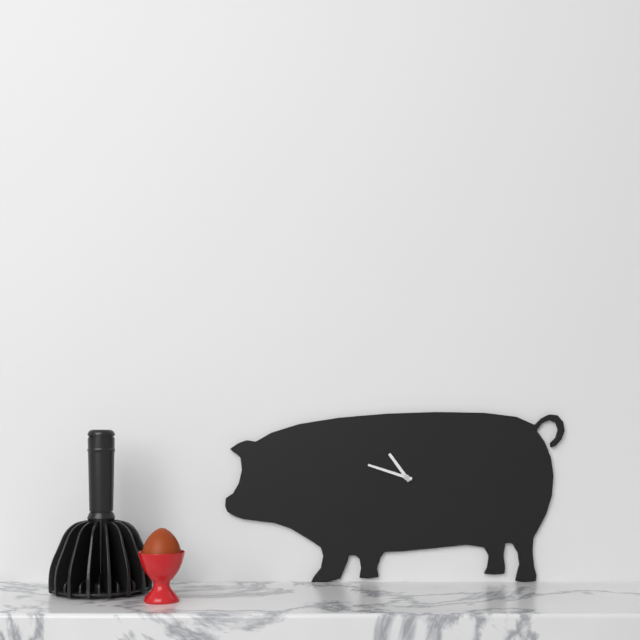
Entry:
10,48
